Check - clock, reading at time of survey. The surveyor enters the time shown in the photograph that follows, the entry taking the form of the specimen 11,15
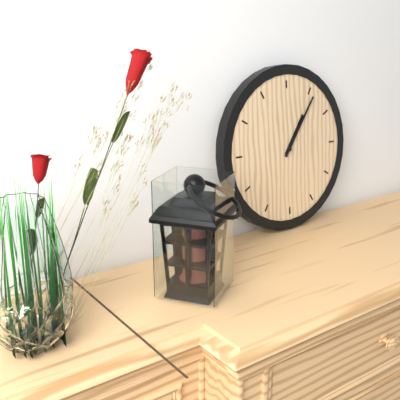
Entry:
1,06
